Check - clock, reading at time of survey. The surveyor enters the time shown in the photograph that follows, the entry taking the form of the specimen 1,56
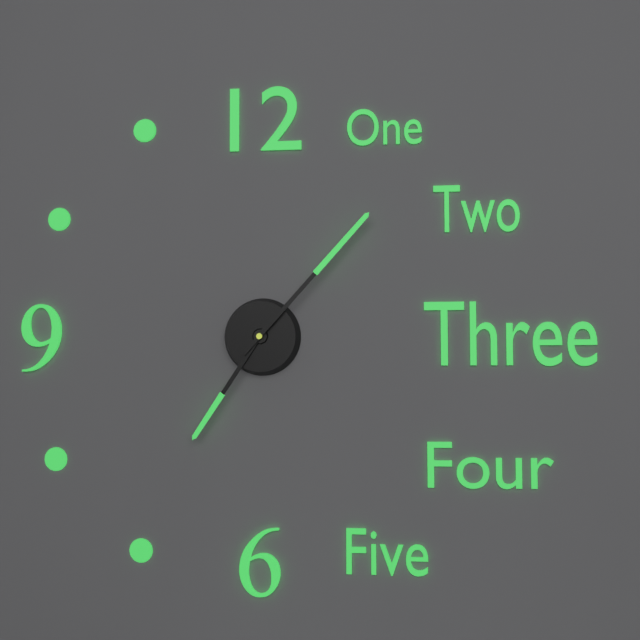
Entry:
7,07
